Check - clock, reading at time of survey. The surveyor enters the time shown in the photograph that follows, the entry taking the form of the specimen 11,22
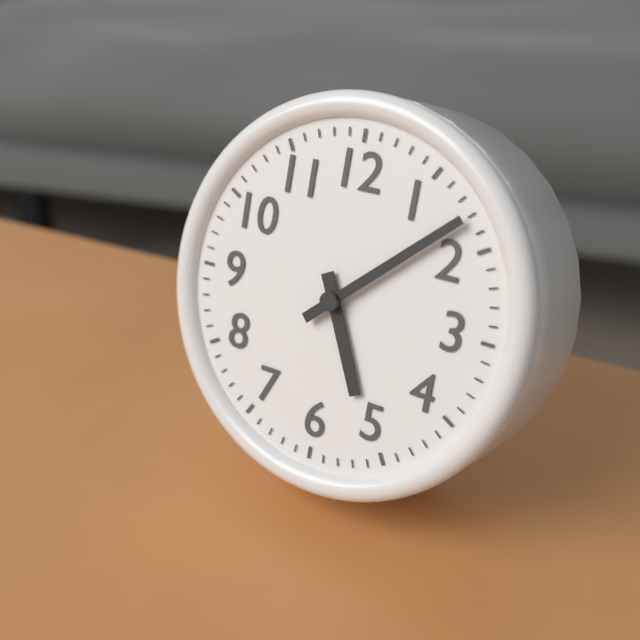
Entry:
5,08
